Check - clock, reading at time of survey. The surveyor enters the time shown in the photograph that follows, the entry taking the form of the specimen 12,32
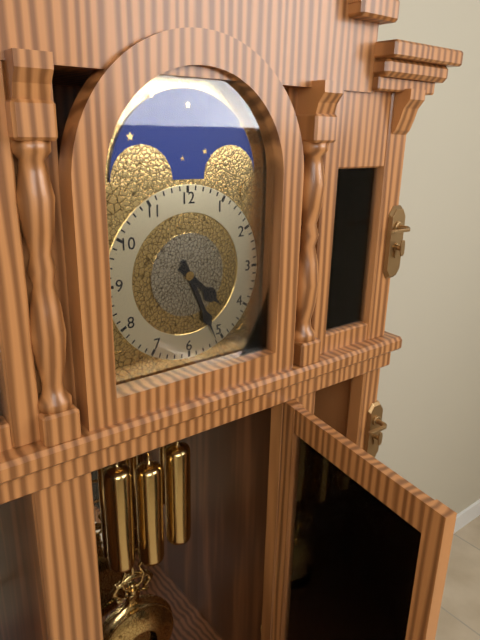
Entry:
4,26
